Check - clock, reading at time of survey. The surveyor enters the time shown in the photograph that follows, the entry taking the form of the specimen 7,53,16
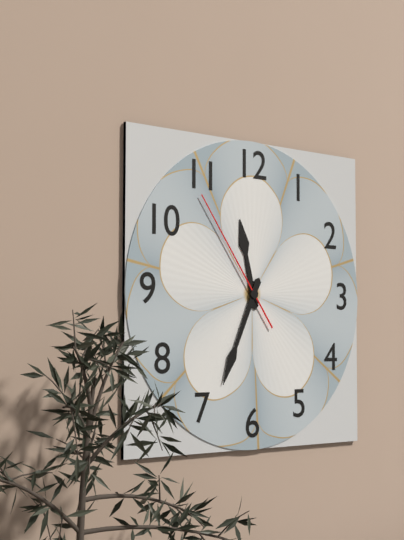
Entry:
11,34,54
